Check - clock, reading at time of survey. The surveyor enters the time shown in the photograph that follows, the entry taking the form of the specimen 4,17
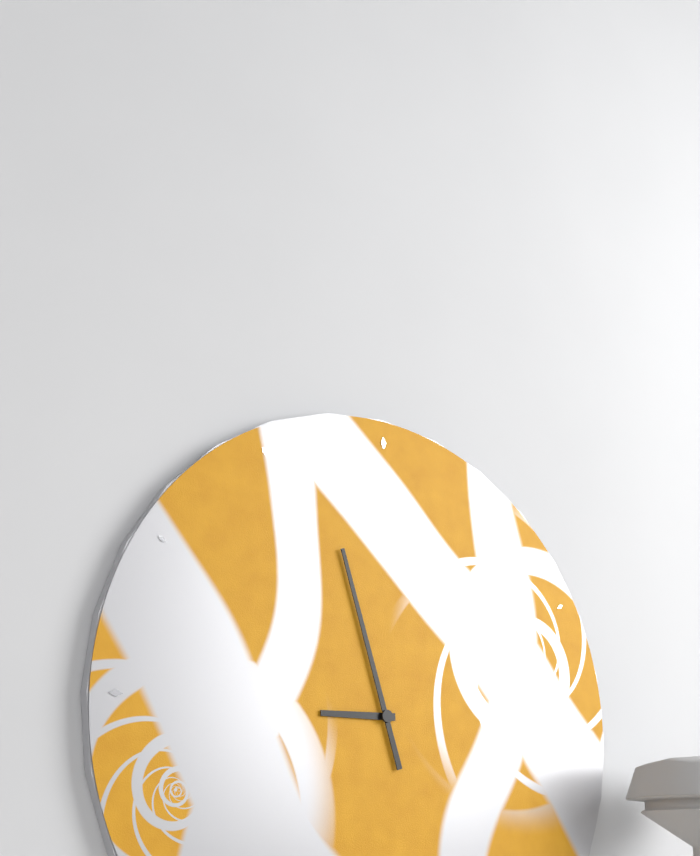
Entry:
8,57
